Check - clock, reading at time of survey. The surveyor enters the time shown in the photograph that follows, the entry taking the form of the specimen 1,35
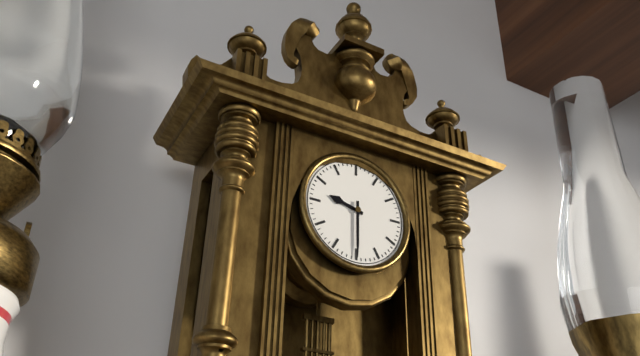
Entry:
9,30
